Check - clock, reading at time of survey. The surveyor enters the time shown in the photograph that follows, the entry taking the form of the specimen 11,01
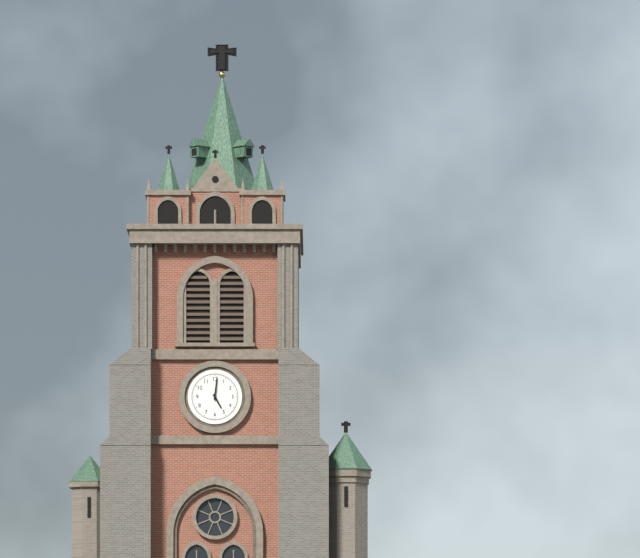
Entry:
5,01
